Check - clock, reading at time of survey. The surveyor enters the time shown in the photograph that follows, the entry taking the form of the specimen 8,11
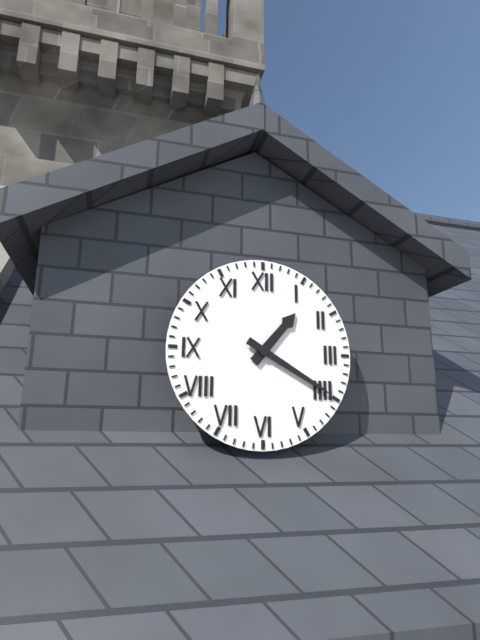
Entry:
1,20
